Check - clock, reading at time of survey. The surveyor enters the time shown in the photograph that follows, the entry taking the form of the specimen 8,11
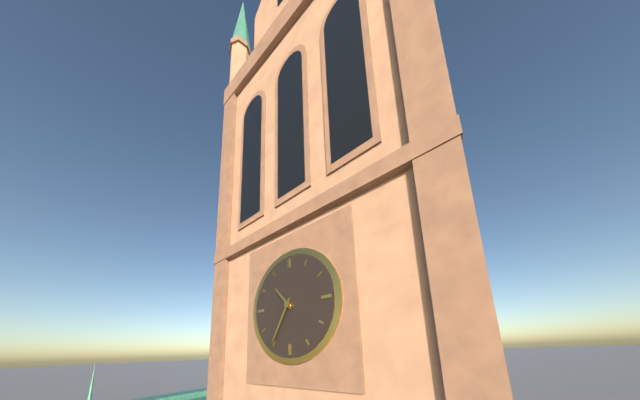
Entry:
10,35
